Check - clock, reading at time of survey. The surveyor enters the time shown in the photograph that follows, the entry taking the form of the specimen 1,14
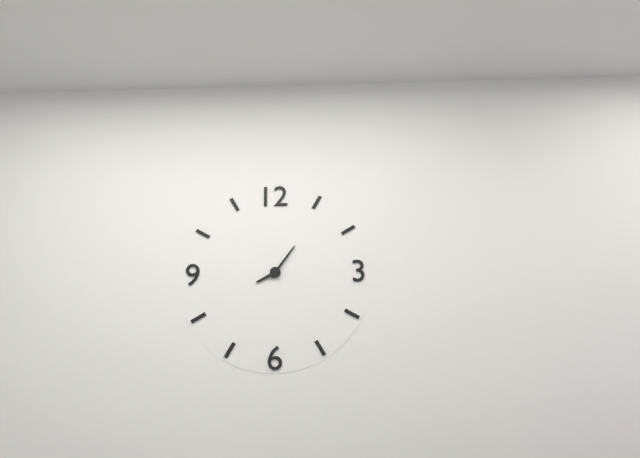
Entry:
8,06
